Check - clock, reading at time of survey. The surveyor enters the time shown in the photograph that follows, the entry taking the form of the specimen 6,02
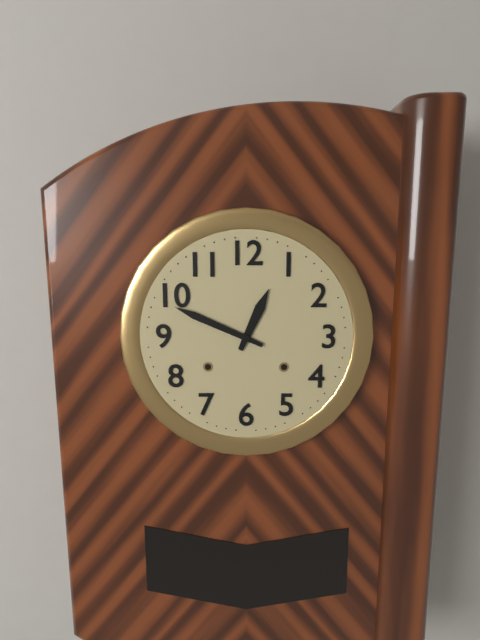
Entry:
12,49
